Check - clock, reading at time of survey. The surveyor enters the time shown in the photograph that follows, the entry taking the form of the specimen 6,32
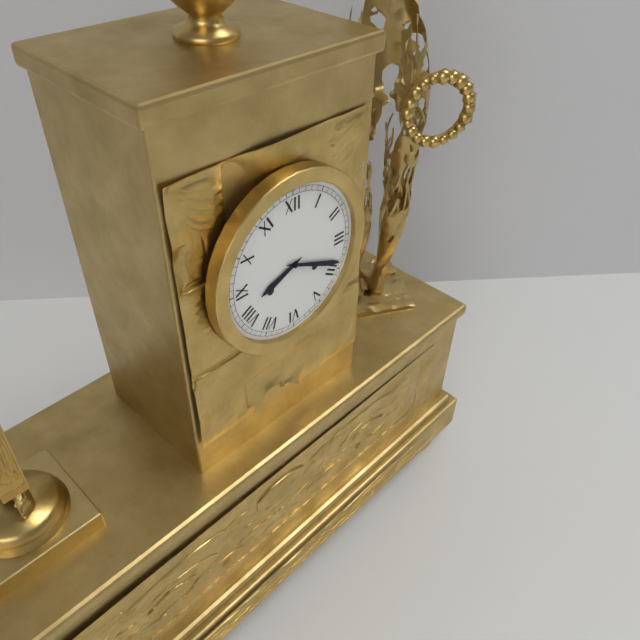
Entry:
8,19
